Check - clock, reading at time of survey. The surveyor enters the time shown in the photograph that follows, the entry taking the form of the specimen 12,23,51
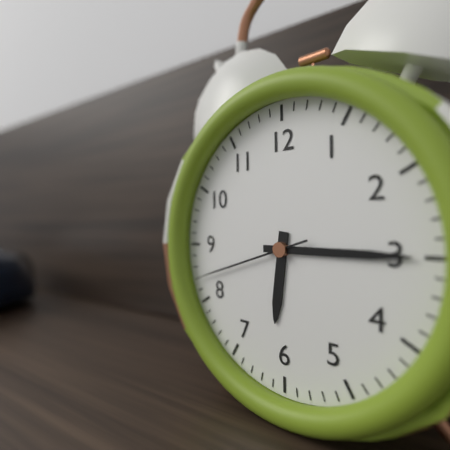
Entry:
6,15,42
